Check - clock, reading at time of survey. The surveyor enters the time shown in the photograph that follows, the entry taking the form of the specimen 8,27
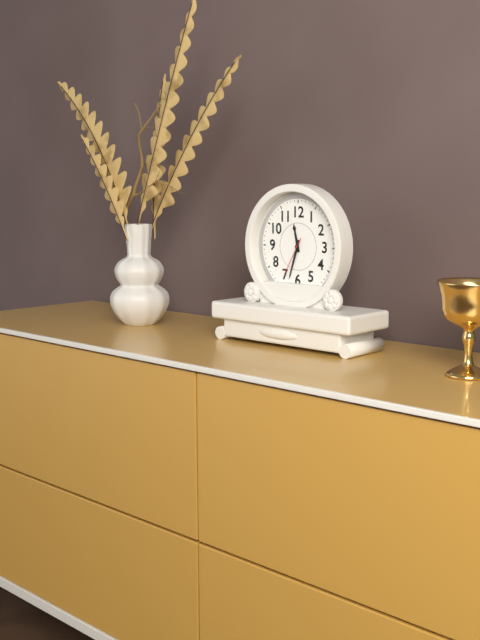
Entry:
11,33
